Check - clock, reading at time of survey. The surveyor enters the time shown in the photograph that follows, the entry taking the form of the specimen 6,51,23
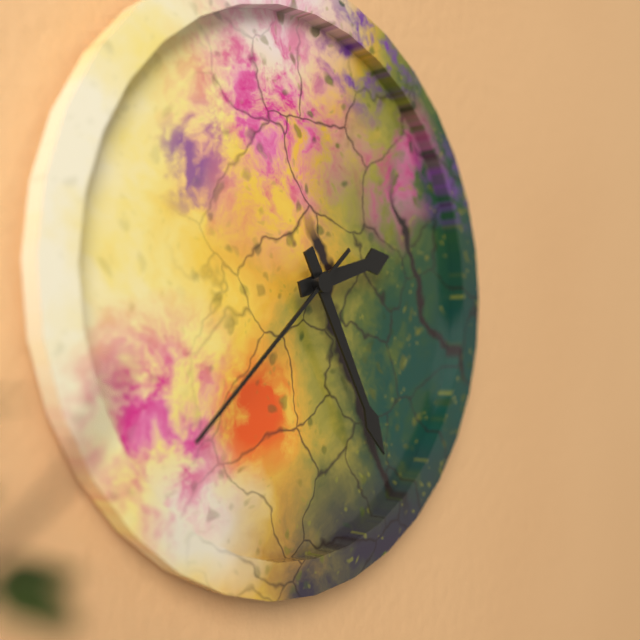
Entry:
2,25,38
